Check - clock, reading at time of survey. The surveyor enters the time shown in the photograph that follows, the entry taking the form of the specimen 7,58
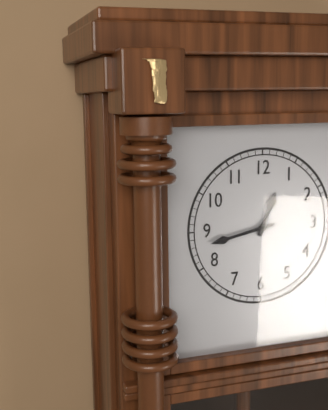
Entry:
12,43
